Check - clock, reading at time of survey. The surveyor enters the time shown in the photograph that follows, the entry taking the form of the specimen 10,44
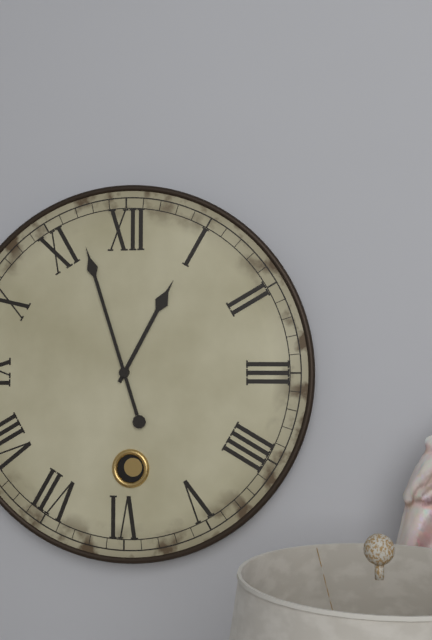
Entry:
12,57
